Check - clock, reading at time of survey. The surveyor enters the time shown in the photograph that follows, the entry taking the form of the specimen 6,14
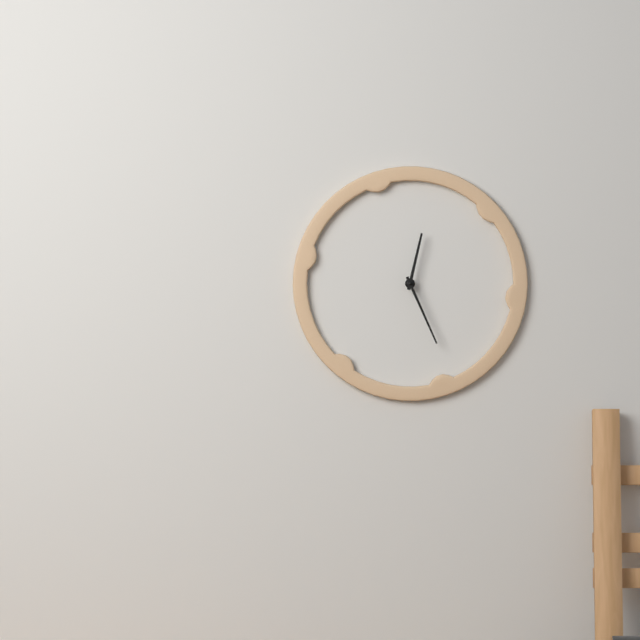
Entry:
12,26
